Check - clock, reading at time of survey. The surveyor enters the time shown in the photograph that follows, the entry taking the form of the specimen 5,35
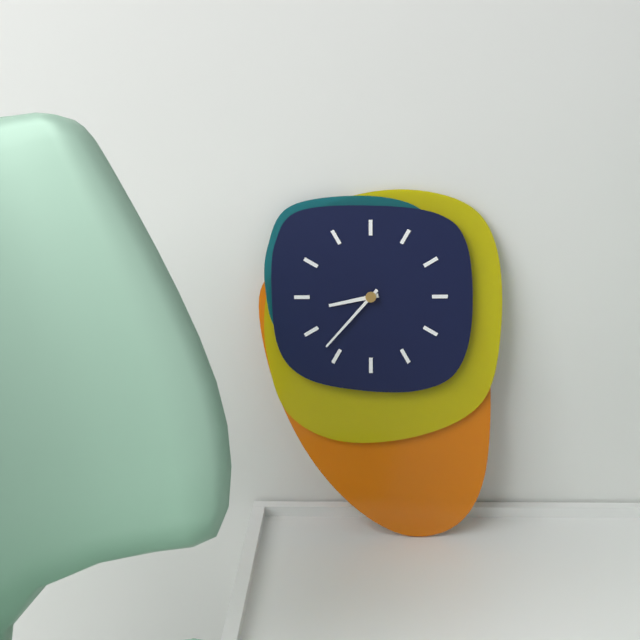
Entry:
8,37
